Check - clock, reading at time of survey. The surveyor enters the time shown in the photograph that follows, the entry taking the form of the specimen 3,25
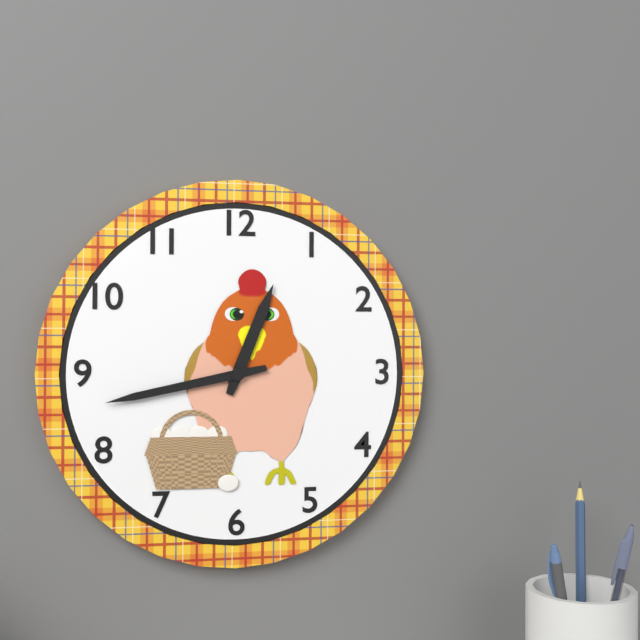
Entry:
12,43
